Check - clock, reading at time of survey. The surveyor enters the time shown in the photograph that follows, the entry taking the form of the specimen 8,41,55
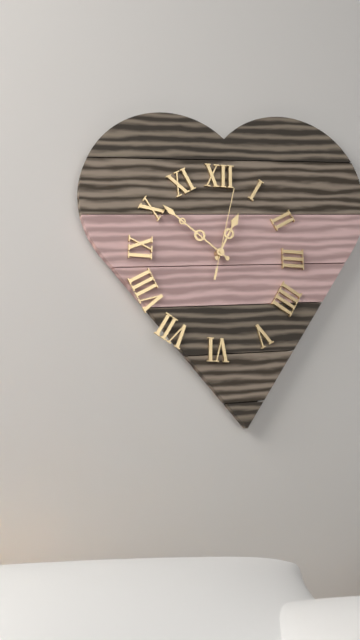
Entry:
12,51,02
